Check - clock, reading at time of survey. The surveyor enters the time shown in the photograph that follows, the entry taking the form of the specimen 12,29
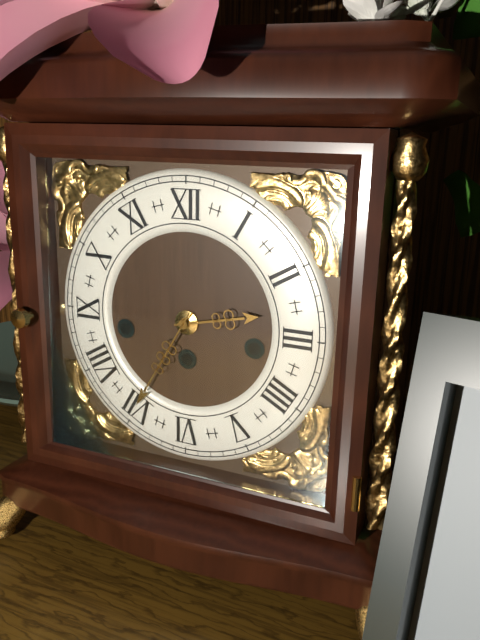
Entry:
2,35
